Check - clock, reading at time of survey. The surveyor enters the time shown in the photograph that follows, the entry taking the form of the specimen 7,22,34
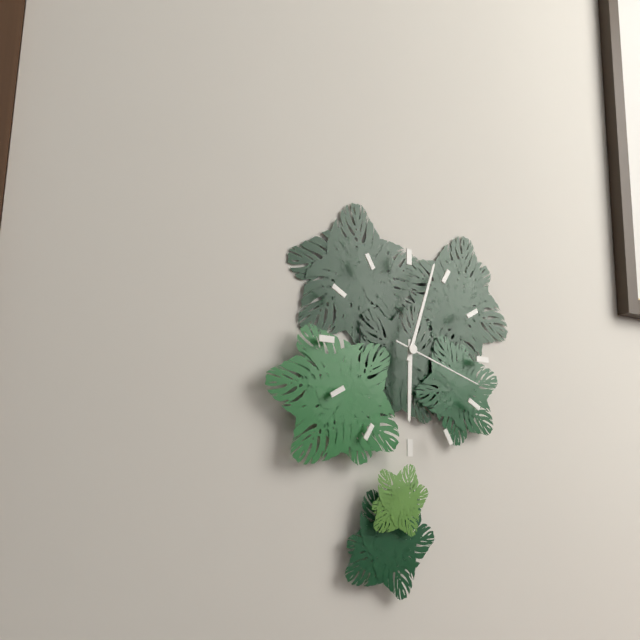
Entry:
6,03,18
